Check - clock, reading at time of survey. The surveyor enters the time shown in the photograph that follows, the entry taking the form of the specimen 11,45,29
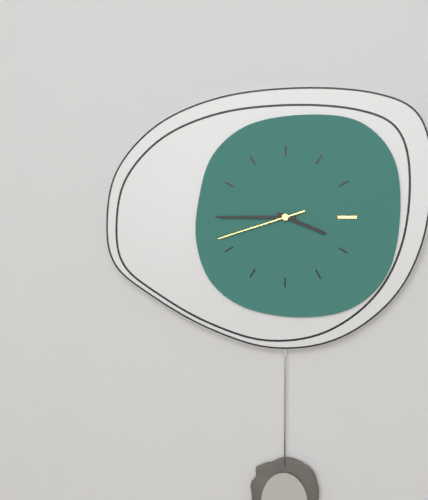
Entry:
3,45,42
